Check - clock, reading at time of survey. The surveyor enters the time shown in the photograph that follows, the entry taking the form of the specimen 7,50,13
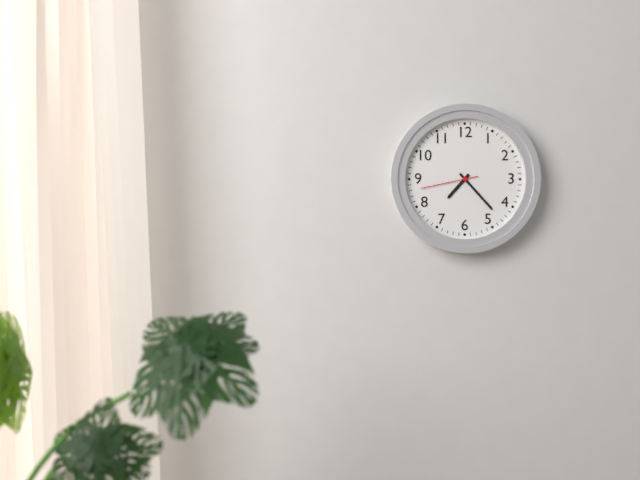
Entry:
7,23,43
